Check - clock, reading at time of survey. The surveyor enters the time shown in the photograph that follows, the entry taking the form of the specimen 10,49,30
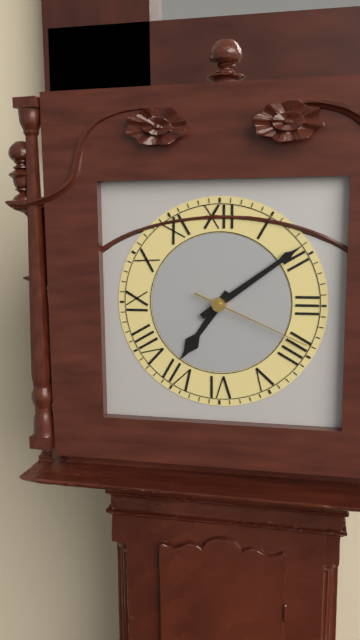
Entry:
7,09,19
